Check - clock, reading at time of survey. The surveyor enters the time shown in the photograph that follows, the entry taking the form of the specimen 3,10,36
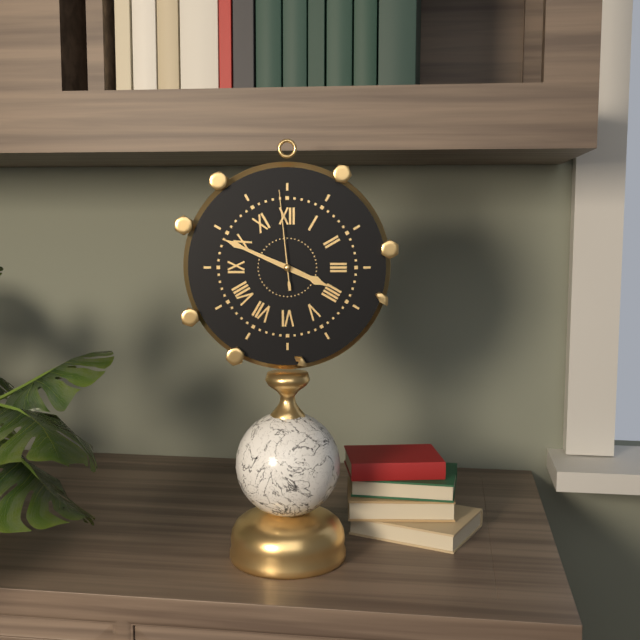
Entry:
3,49,59
